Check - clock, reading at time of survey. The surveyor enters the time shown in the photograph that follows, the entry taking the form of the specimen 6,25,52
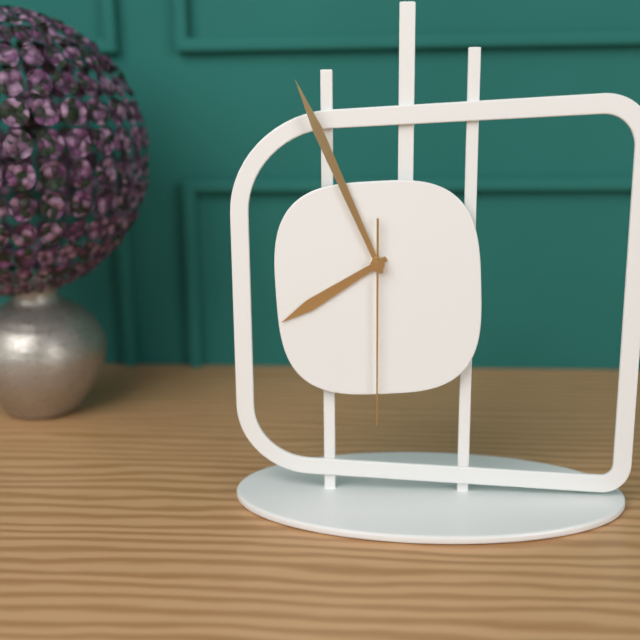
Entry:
7,56,30
